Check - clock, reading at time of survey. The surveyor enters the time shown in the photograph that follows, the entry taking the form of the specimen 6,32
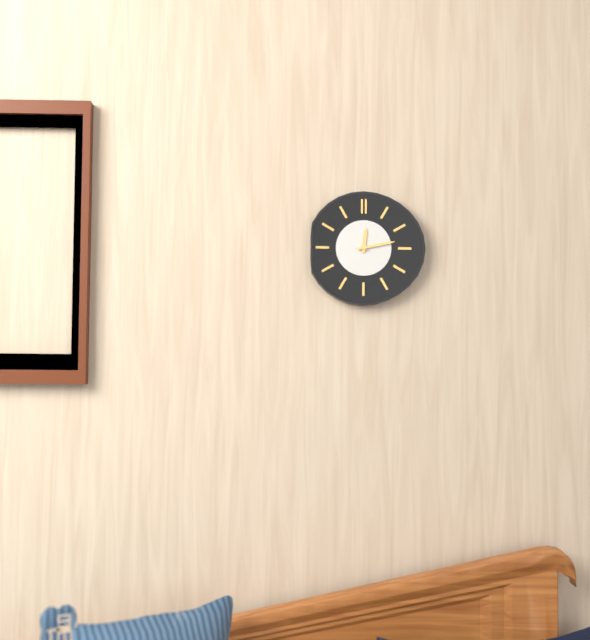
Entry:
12,13
